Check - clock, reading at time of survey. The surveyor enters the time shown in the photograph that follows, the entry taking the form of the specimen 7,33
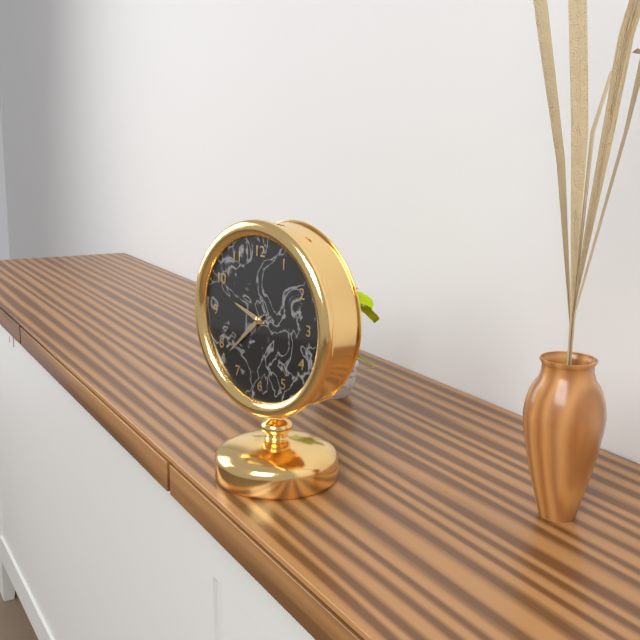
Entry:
9,38
